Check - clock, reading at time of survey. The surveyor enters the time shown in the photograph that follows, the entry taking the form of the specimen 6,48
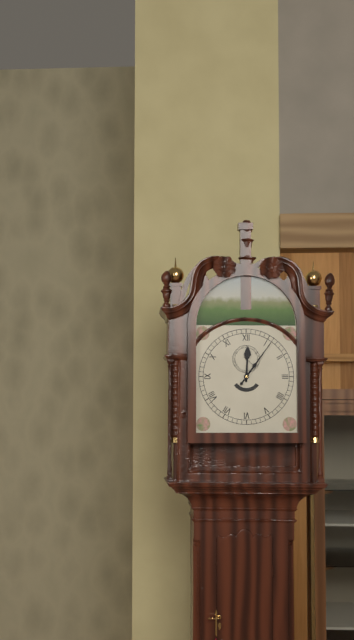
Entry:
12,06
